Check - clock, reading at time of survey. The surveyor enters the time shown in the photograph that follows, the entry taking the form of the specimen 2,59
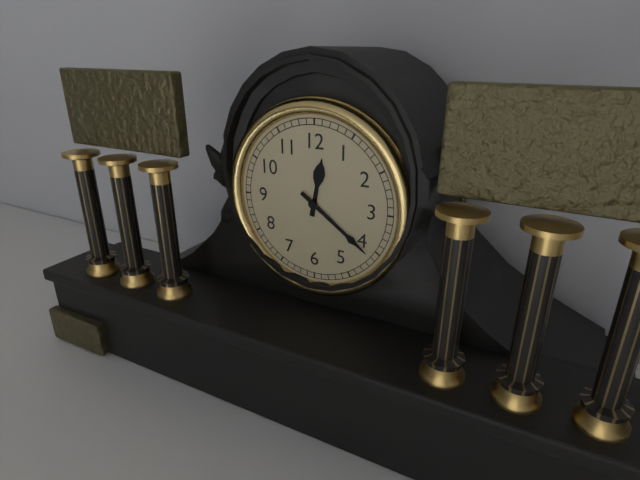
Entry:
12,21
